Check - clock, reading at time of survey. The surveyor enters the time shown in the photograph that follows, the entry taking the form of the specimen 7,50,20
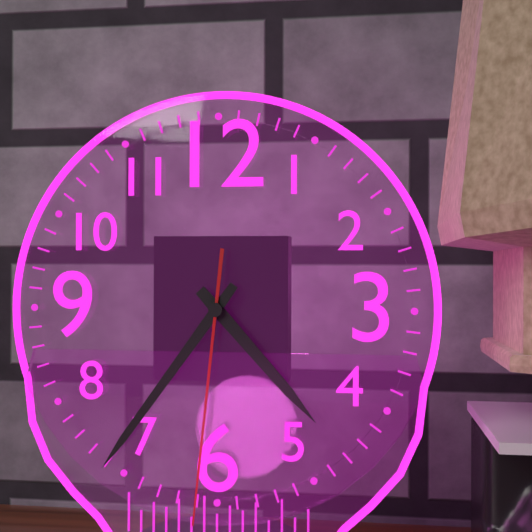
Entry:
4,36,31
